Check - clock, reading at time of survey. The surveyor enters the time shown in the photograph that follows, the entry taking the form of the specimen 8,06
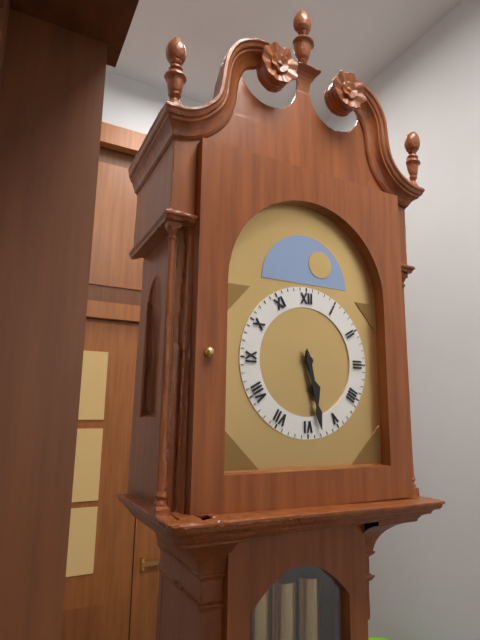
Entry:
5,28
